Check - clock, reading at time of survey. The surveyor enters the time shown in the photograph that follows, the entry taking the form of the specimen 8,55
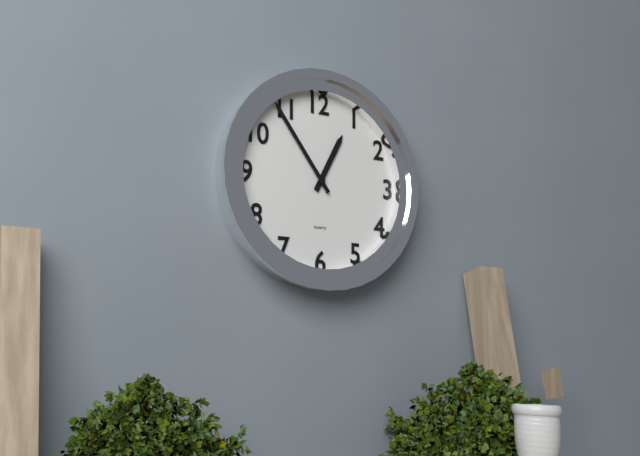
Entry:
12,54
